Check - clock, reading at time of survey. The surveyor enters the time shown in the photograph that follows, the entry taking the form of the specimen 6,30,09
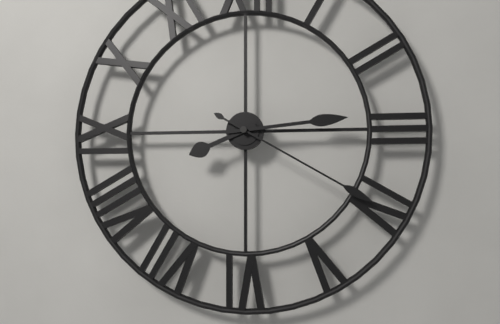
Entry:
8,14,20
